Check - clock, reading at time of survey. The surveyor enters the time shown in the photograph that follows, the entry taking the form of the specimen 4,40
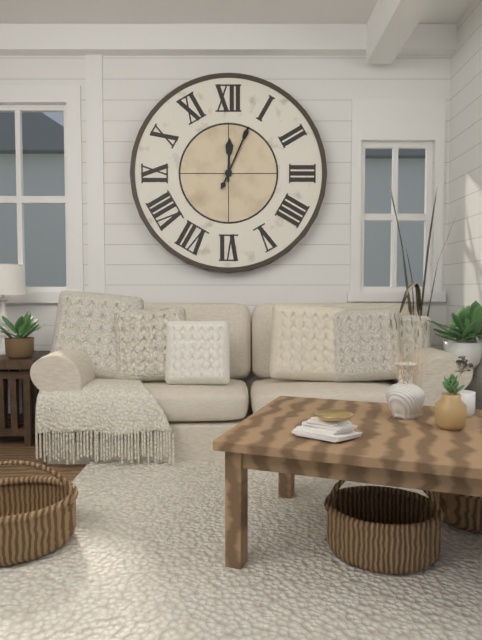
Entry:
12,04
